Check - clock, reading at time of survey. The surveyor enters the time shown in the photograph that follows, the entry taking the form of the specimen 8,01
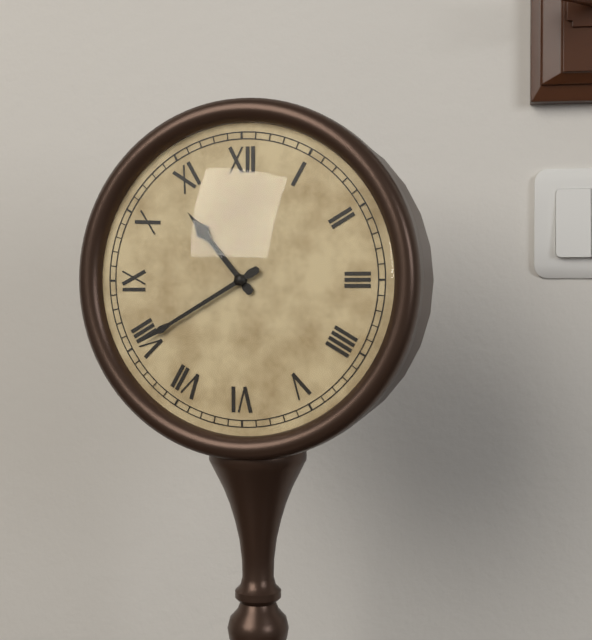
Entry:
10,40
